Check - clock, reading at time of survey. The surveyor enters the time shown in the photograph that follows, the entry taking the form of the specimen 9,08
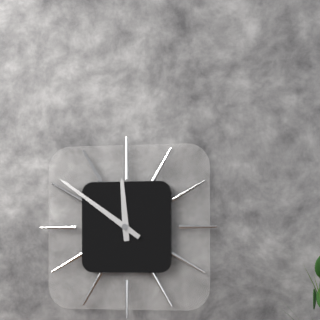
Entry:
11,51
